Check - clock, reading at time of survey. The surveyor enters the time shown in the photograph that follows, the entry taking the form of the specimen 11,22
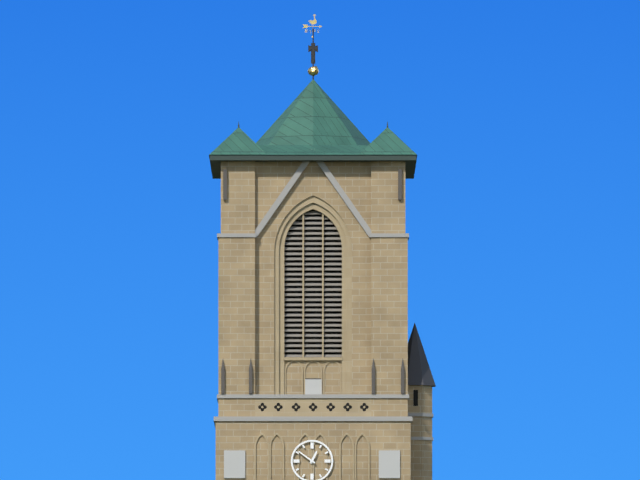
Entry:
12,51
